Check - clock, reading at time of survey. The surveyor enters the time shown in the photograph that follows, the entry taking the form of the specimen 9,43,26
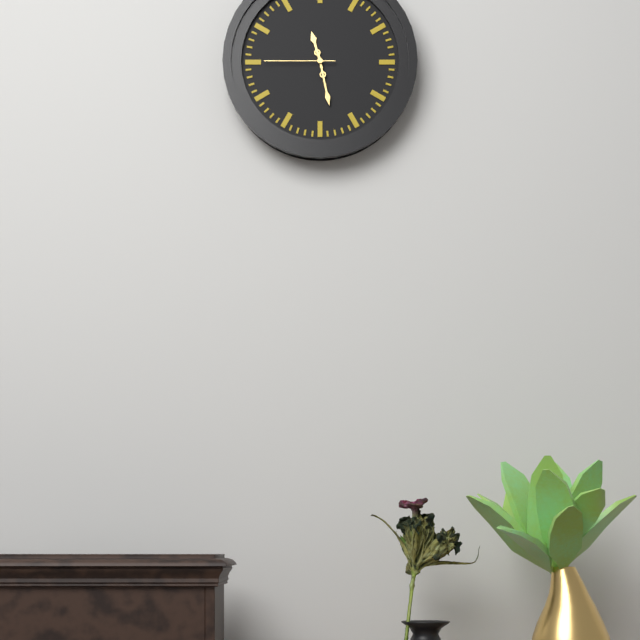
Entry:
11,28,45
